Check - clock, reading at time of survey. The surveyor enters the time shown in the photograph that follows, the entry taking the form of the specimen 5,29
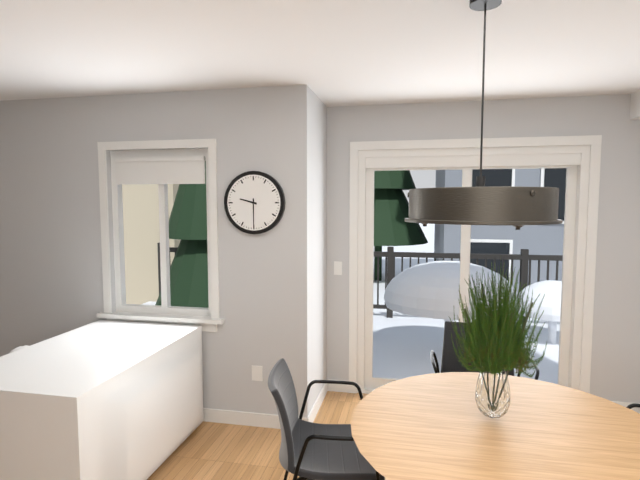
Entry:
9,30
